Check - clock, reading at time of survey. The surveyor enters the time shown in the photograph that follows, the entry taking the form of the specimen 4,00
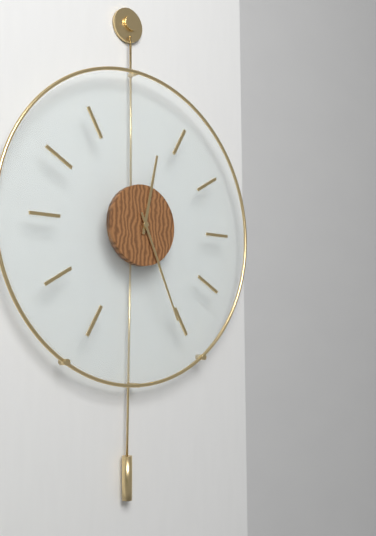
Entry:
12,26
